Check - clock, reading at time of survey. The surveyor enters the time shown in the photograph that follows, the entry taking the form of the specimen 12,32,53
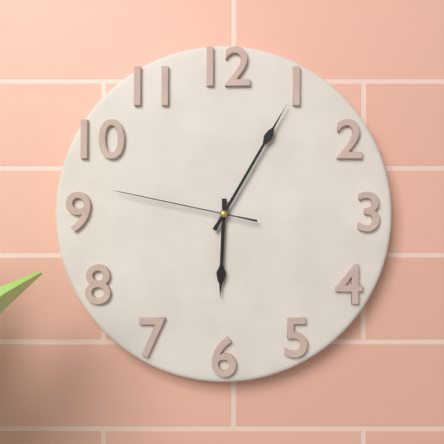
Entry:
6,05,47
